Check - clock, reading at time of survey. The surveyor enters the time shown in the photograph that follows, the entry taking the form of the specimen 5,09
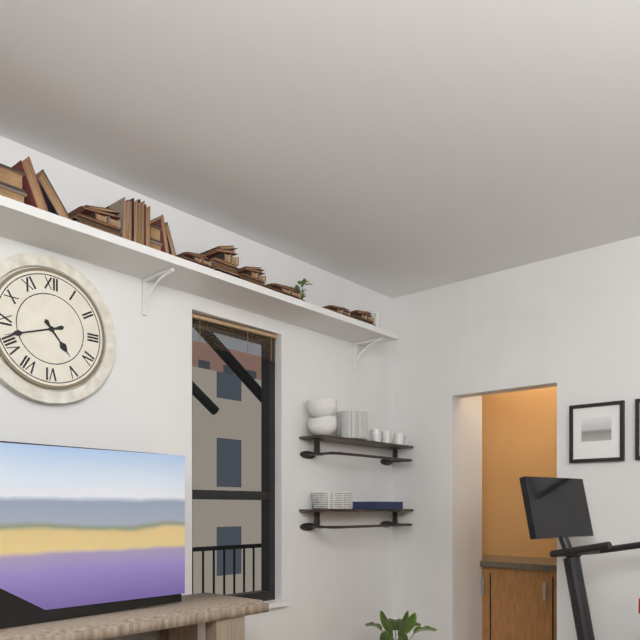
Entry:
4,42
